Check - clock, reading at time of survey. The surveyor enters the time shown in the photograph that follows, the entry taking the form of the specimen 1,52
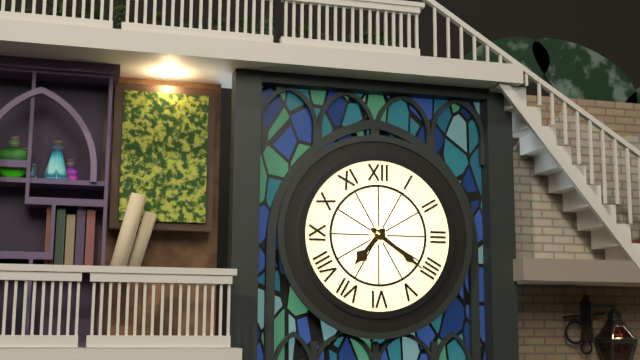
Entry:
7,21
